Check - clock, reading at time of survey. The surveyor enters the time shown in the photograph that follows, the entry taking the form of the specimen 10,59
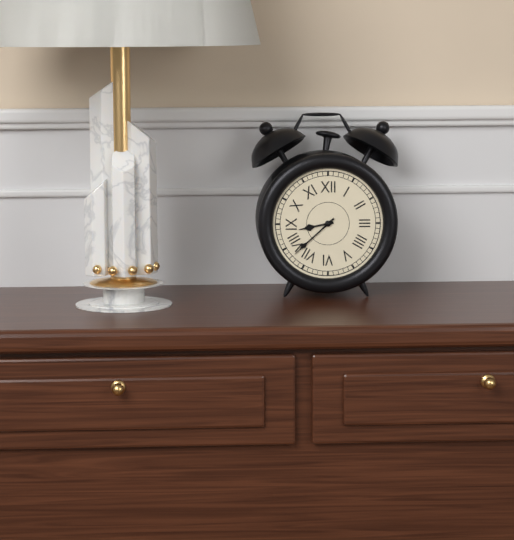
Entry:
8,38
